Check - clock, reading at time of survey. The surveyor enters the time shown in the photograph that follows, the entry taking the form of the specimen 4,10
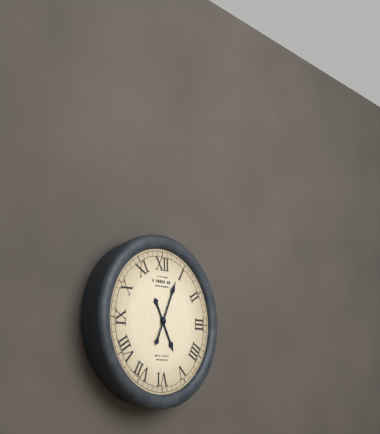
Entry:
5,04
